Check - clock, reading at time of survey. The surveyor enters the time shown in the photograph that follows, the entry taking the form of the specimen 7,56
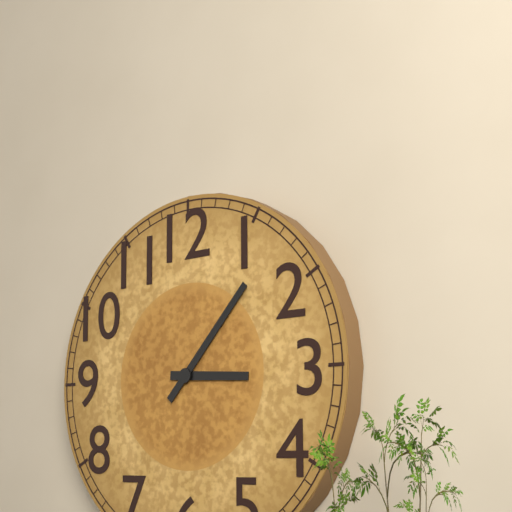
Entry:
3,07
